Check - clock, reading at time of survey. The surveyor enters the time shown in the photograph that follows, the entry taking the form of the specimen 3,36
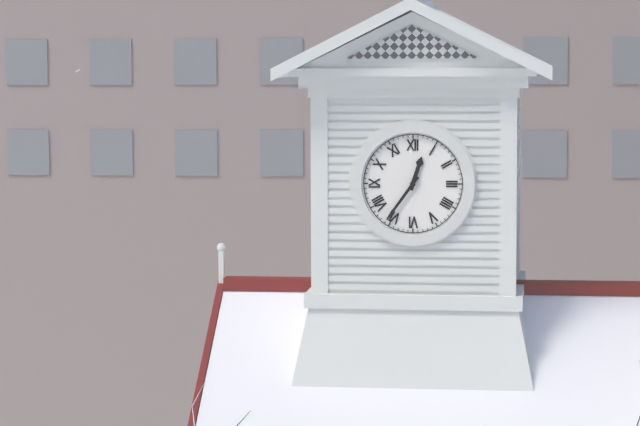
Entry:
12,36
